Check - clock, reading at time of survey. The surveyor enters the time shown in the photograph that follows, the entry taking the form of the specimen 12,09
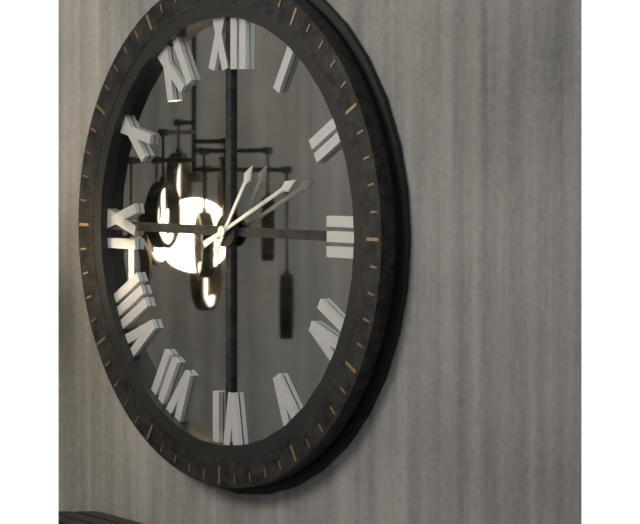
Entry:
1,11
